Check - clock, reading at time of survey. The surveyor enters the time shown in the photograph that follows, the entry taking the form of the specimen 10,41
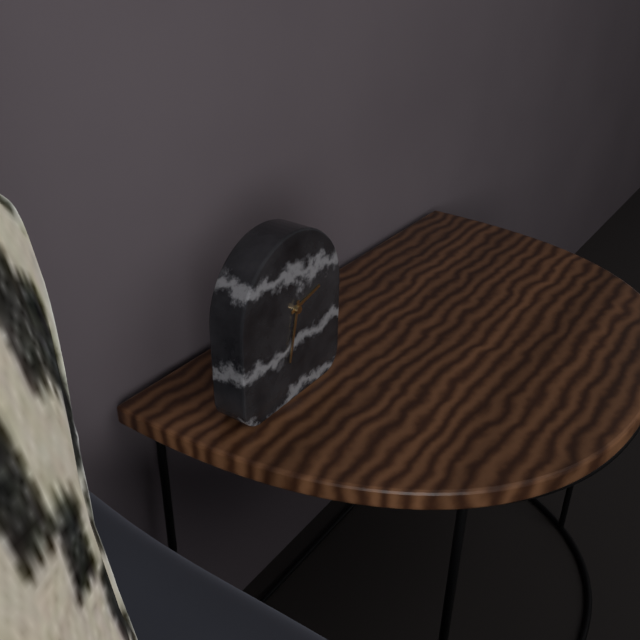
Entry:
2,32
